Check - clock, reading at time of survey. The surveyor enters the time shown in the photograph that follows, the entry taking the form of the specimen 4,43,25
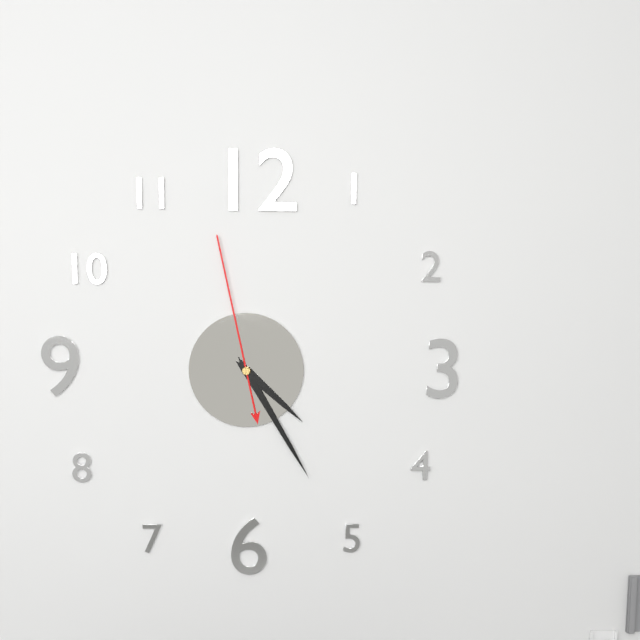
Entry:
4,25,58
